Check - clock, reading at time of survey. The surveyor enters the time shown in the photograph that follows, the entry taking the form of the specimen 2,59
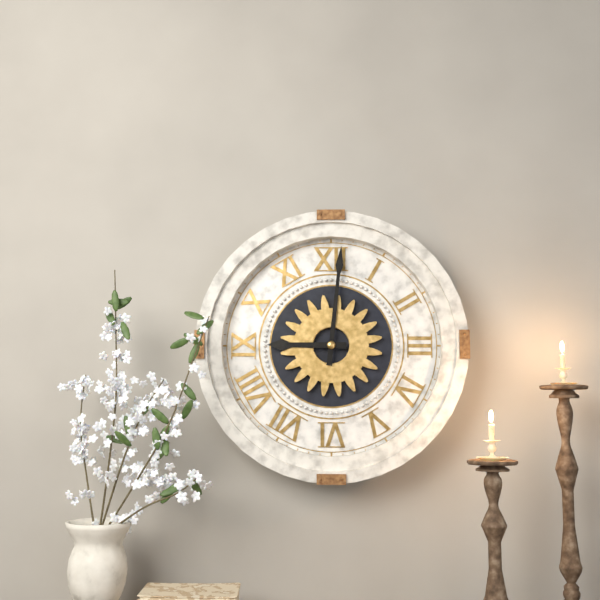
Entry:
9,01
